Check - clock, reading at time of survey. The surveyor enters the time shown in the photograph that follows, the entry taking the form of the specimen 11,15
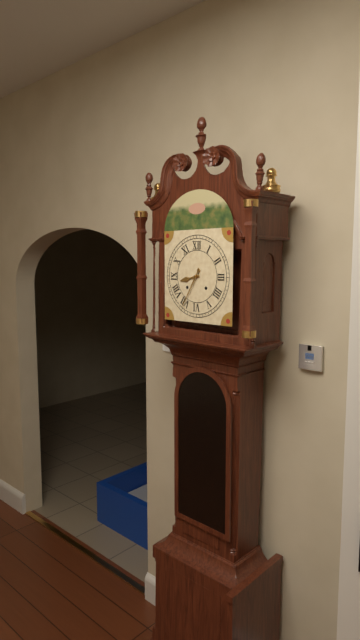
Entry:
8,35
